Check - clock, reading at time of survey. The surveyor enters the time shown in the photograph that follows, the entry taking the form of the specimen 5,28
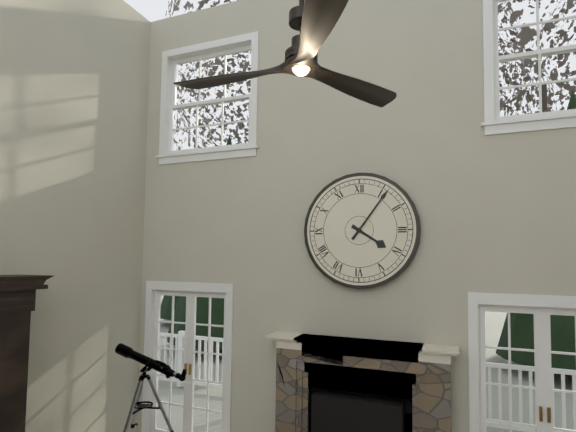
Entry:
4,06
